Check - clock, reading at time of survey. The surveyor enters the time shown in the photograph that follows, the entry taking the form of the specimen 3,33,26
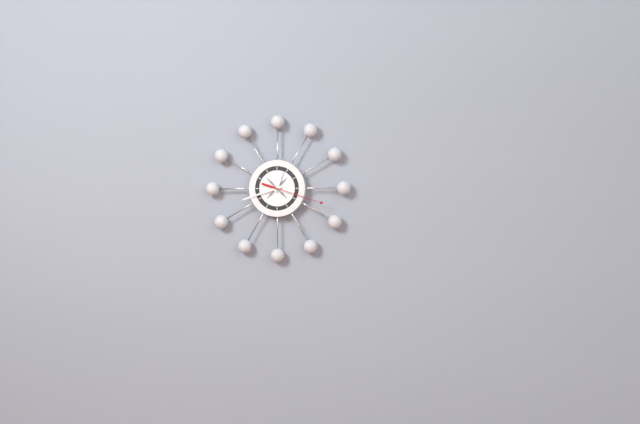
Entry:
12,42,18
